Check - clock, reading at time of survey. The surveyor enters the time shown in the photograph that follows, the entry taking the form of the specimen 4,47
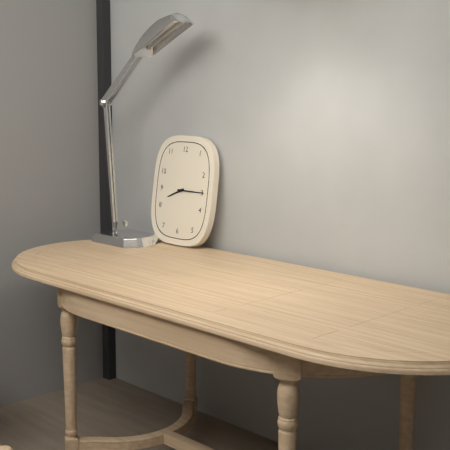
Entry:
8,15
